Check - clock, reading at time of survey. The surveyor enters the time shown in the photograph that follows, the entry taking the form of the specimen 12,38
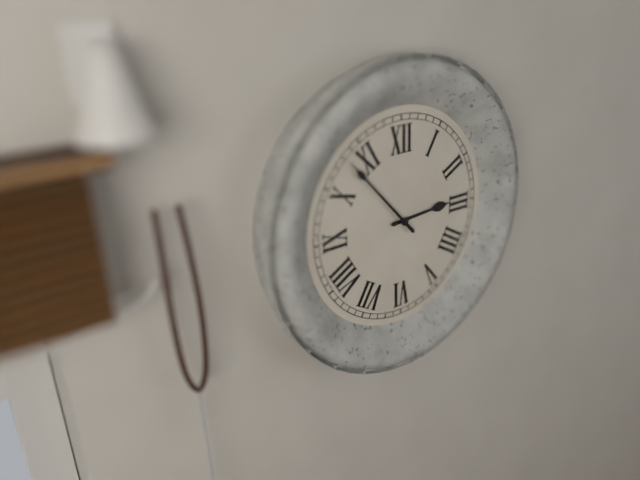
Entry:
2,53
